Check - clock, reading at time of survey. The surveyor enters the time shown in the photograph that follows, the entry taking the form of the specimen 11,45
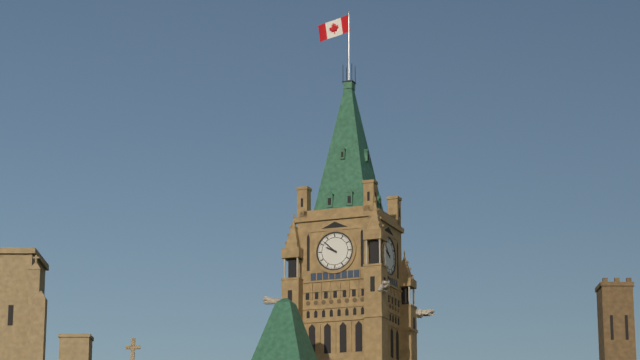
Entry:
9,52
